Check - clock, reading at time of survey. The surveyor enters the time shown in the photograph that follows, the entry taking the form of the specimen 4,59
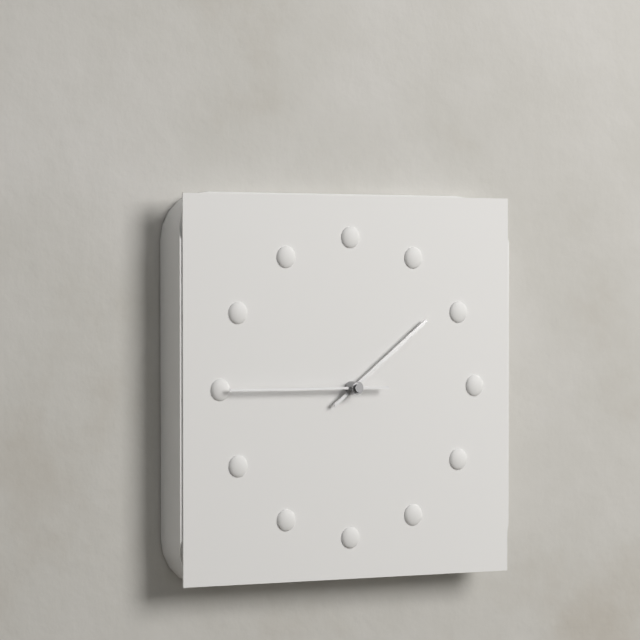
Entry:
1,45
